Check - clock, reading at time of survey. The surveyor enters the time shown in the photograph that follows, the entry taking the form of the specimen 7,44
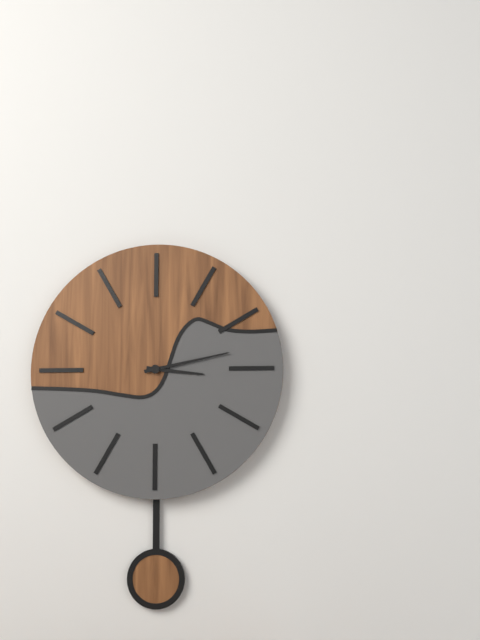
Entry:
3,13
